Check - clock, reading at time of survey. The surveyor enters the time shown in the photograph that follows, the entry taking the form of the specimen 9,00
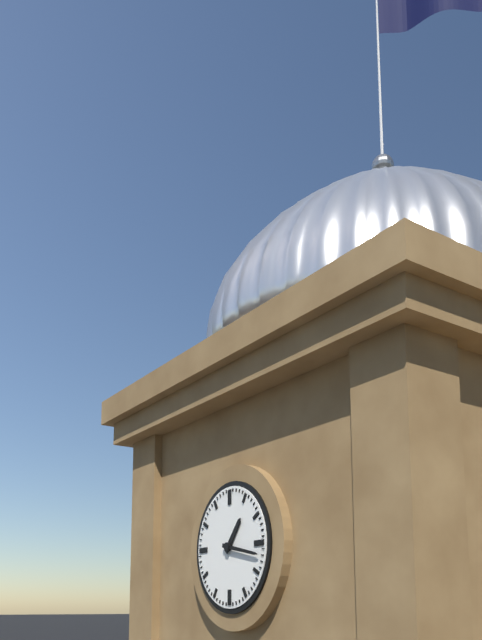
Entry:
1,17
